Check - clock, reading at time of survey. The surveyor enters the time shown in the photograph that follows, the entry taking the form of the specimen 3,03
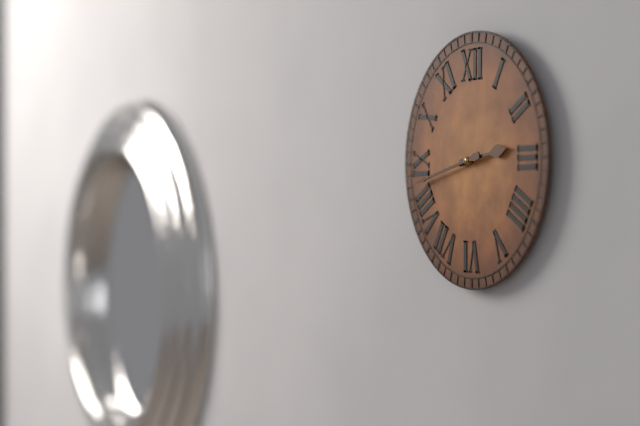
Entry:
2,43
